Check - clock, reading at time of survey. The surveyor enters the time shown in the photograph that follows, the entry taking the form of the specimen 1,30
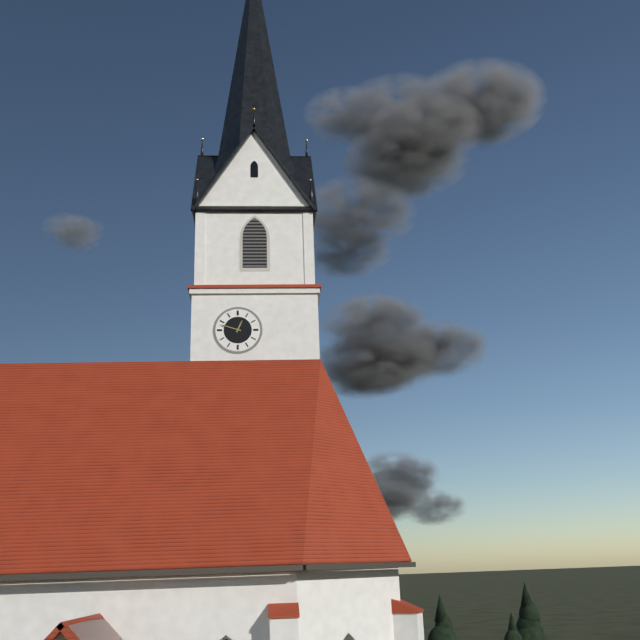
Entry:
12,48
